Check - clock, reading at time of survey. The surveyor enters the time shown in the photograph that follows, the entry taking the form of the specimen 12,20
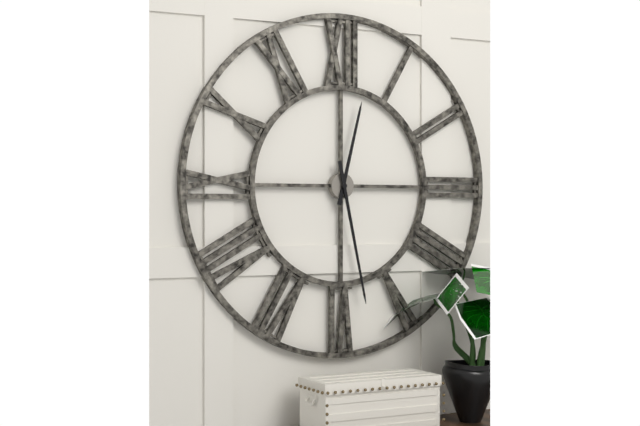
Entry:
12,28
